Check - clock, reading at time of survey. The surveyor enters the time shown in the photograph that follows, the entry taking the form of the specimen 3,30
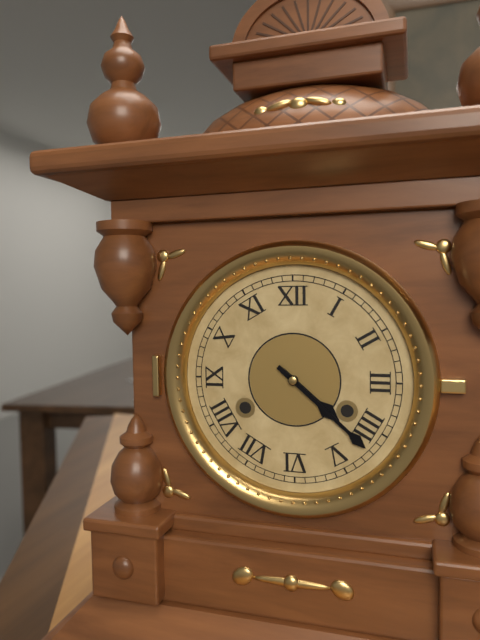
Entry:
4,22
